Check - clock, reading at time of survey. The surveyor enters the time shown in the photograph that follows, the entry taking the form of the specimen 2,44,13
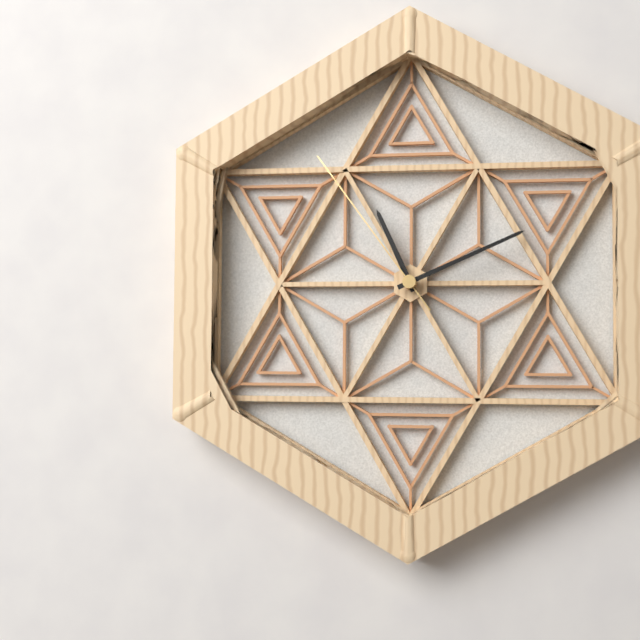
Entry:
11,11,54
